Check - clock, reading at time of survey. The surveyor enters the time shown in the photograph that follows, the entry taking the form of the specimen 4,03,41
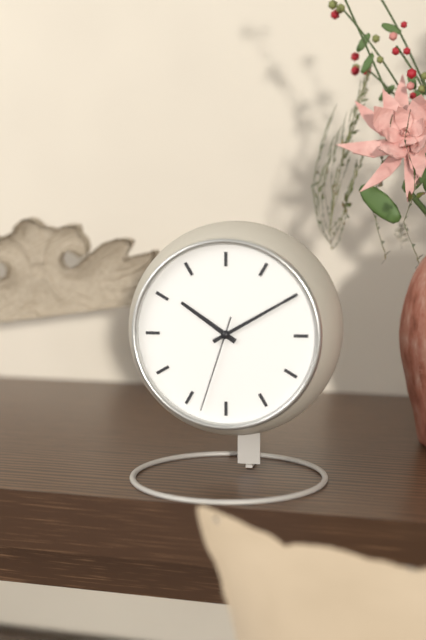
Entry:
10,10,33
